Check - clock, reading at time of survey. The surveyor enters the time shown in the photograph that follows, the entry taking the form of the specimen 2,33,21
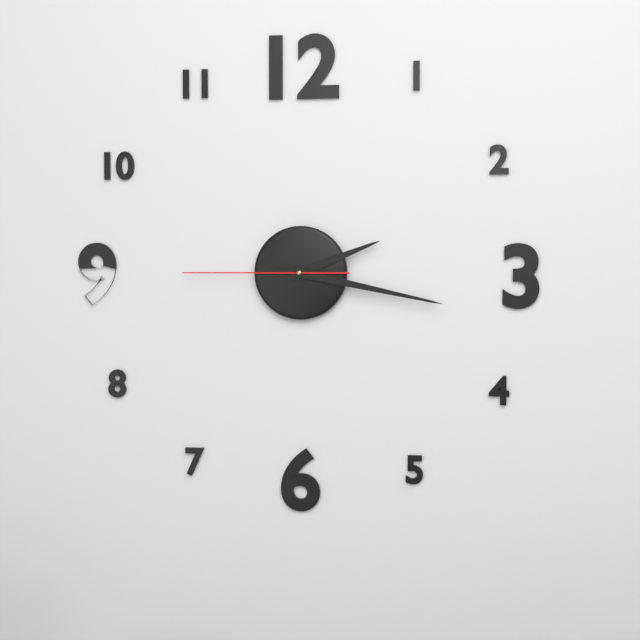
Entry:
2,17,45
